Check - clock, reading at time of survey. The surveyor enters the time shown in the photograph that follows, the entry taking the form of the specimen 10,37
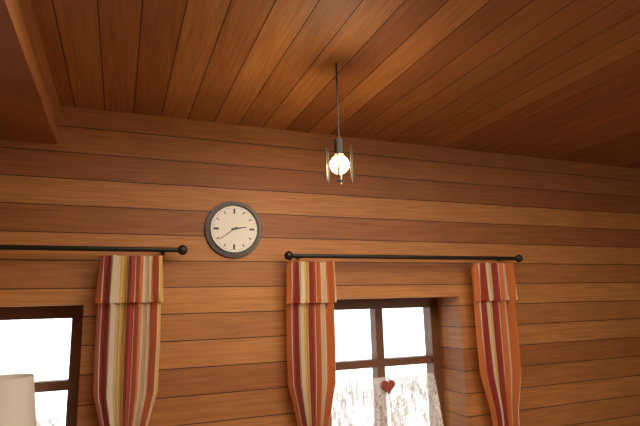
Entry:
2,39
